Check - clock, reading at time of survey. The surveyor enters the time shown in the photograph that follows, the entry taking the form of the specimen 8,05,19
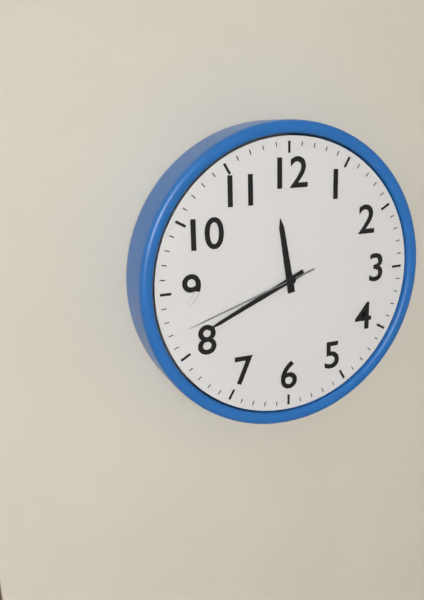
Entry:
11,41,42
